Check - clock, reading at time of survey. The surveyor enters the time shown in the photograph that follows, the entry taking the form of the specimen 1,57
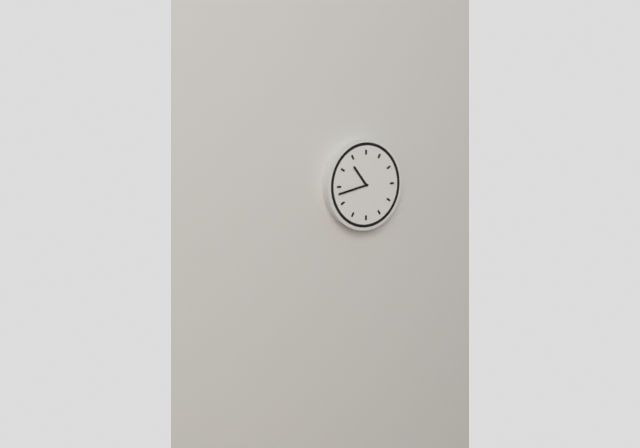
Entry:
10,43
